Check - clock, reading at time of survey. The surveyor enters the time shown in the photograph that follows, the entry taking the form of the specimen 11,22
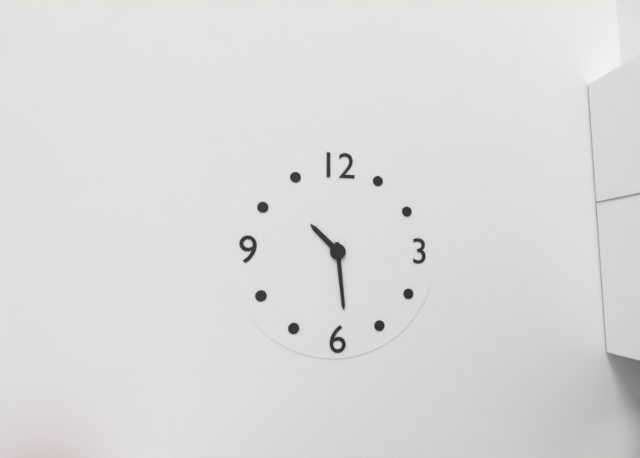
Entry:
10,29
